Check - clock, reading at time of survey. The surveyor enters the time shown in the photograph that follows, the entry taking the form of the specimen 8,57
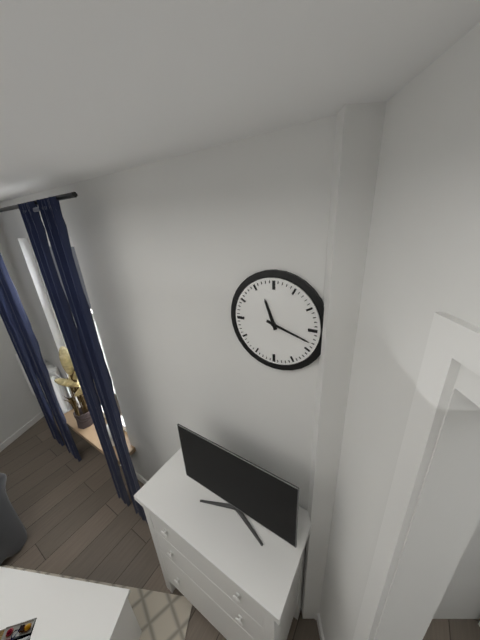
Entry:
11,18
